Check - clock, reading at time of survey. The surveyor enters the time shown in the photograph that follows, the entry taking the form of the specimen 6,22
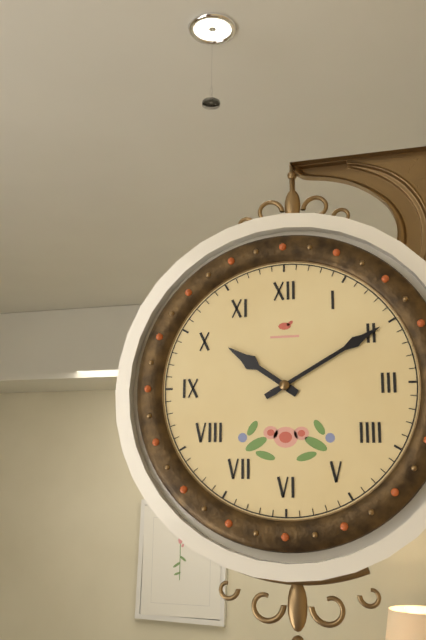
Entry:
10,10
